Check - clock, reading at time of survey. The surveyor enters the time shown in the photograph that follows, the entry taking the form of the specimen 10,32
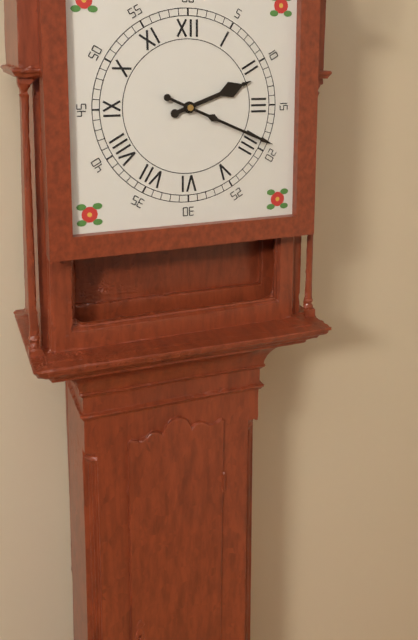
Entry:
2,19
